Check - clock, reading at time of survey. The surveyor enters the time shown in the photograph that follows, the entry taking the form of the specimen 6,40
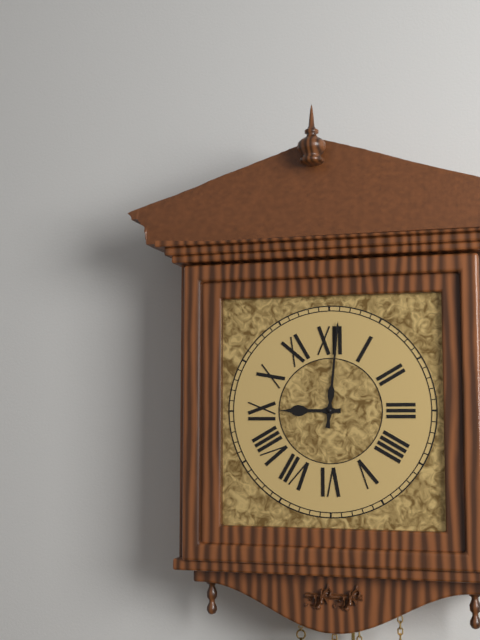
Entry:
9,01
